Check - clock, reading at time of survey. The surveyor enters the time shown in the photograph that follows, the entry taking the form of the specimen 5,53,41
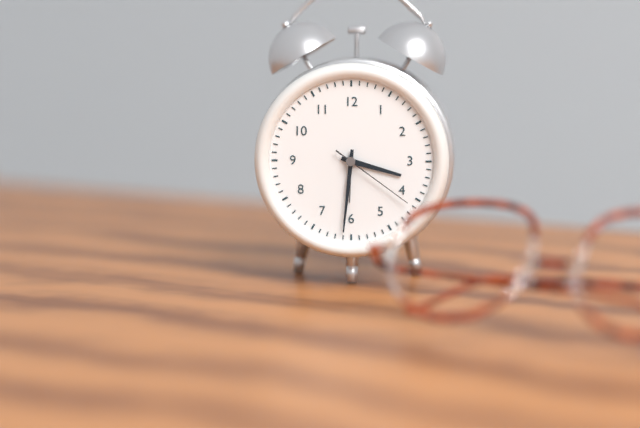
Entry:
3,31,21
